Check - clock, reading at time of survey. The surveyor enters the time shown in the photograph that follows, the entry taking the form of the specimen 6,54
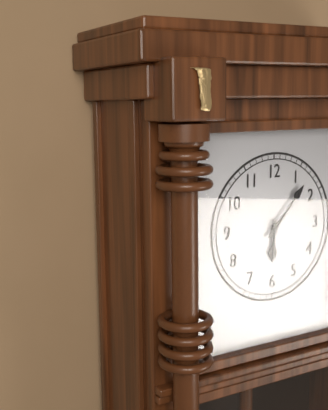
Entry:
6,07
